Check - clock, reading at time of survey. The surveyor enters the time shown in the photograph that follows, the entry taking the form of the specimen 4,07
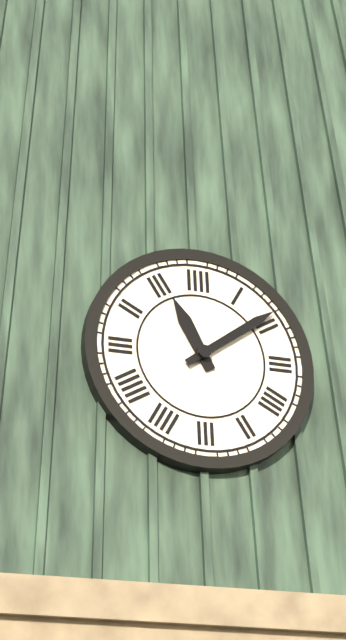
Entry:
11,09
